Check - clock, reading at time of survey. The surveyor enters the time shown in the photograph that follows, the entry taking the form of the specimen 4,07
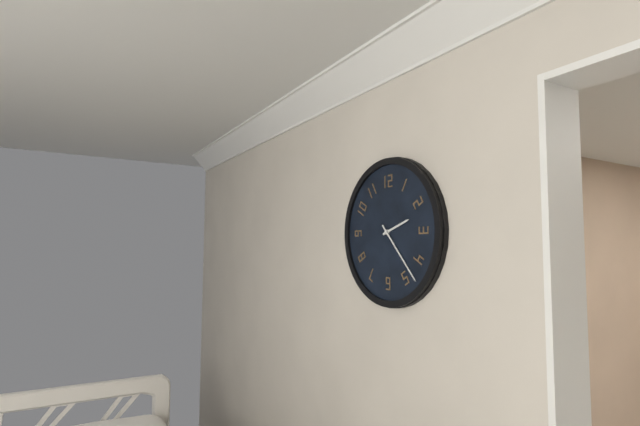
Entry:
2,23
